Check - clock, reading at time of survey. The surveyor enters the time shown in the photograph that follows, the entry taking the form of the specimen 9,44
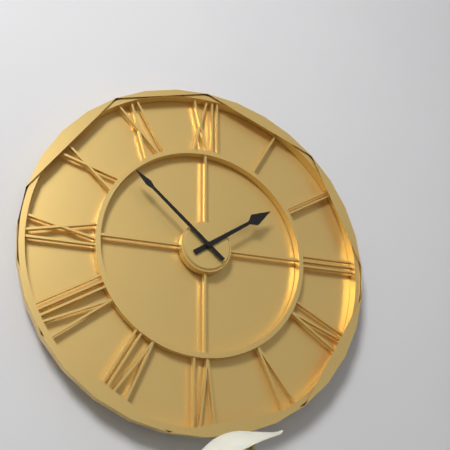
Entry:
1,52
